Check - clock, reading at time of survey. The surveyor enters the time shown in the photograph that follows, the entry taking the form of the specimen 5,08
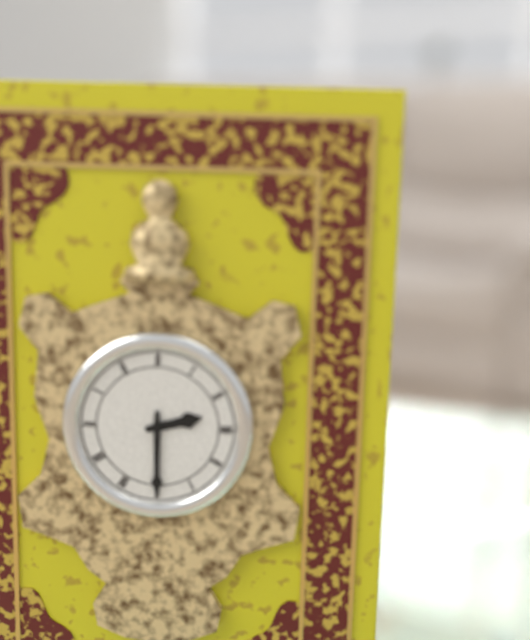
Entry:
2,30
